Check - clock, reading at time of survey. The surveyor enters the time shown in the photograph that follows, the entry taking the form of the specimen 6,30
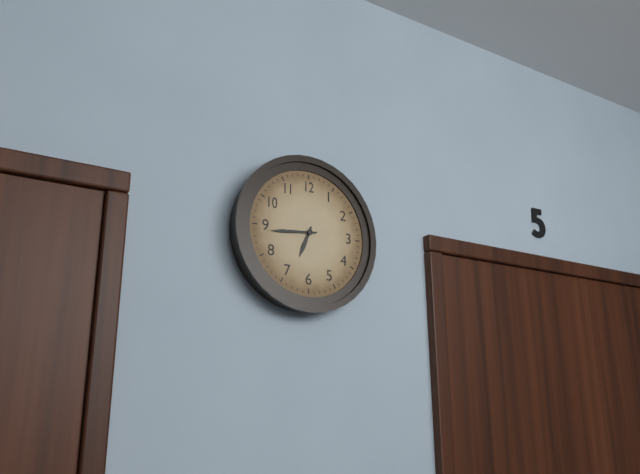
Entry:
6,44
